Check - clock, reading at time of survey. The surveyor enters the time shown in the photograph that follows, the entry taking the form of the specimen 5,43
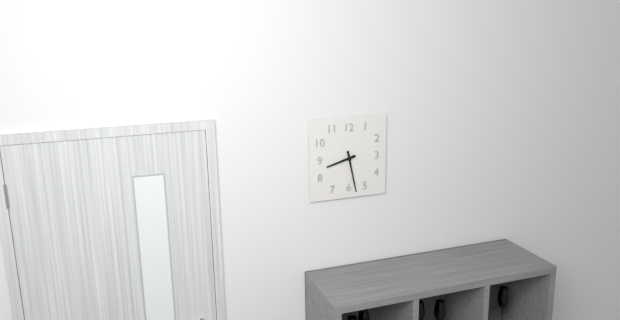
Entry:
8,28
